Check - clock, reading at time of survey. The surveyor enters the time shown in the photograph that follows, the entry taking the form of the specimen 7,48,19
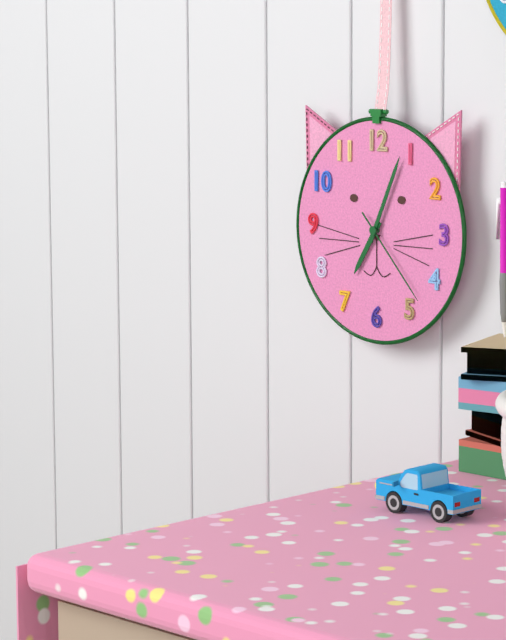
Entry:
7,04,23
